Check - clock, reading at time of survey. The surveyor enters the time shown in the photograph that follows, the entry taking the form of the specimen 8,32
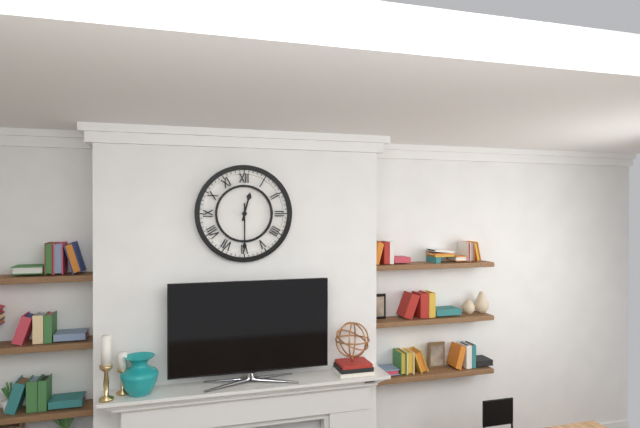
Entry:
12,30
